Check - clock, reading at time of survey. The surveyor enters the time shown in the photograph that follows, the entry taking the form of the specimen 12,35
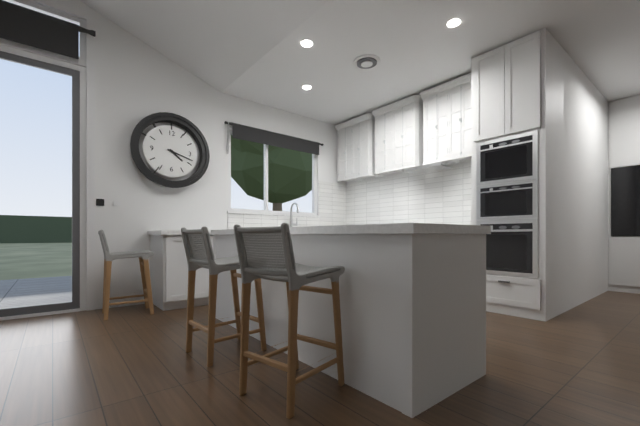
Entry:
4,18
